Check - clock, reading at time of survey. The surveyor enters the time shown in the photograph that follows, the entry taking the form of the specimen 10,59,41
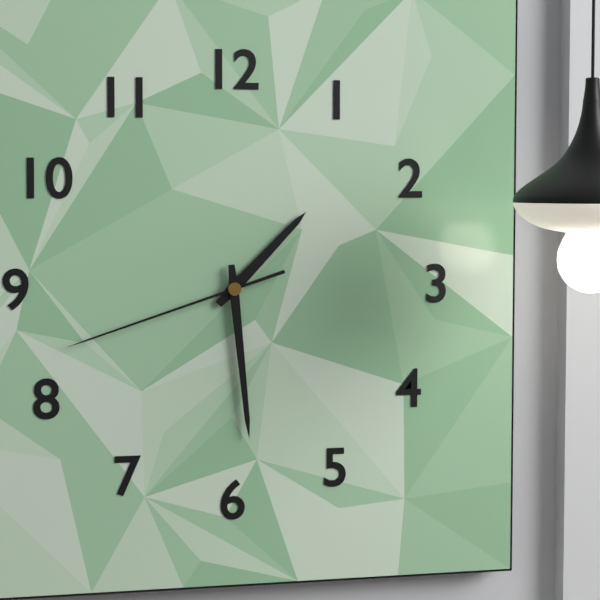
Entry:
1,29,42
